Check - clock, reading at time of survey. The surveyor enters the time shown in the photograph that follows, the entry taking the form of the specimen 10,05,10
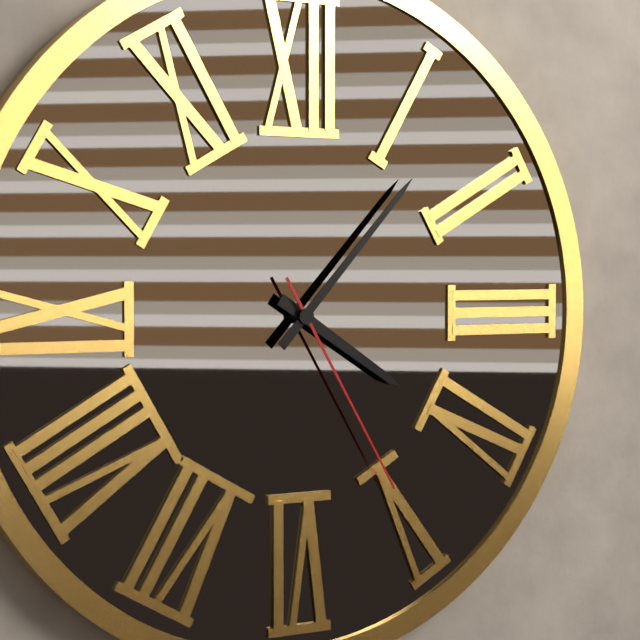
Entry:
4,07,25
